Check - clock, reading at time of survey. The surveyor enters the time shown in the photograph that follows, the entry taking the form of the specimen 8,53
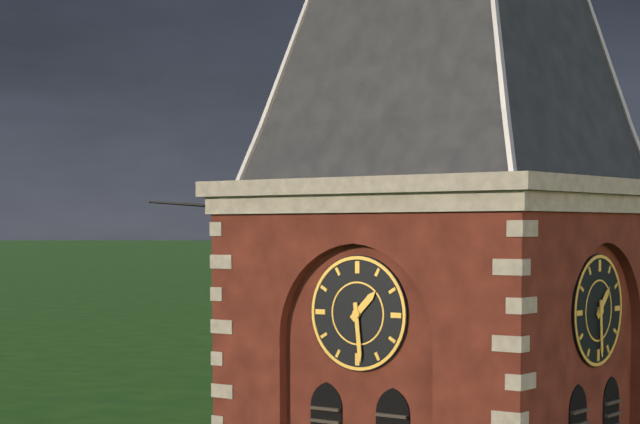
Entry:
1,29
